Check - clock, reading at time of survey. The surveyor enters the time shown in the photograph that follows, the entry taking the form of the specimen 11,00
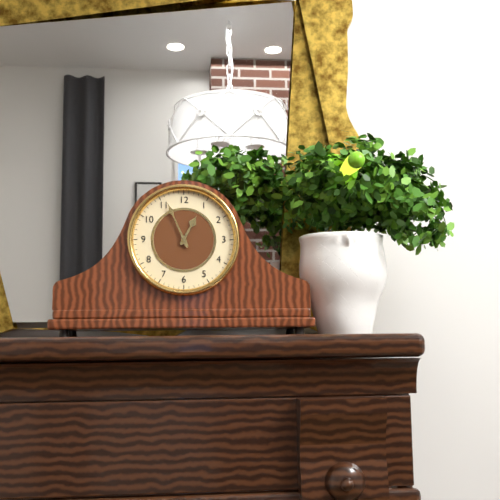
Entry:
12,56
